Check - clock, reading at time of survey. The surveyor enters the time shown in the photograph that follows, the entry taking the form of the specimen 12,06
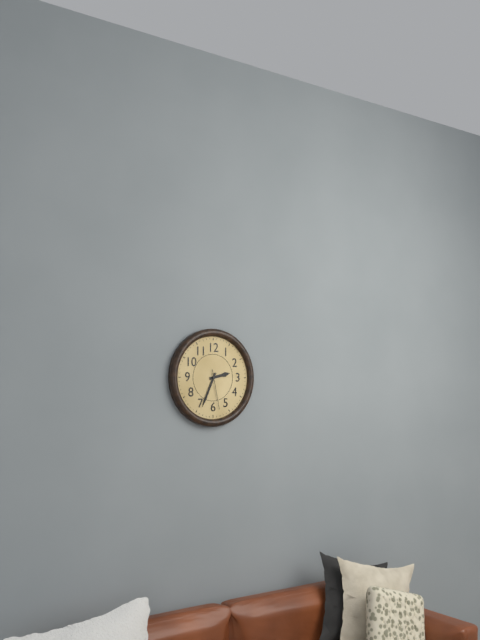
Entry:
2,34
